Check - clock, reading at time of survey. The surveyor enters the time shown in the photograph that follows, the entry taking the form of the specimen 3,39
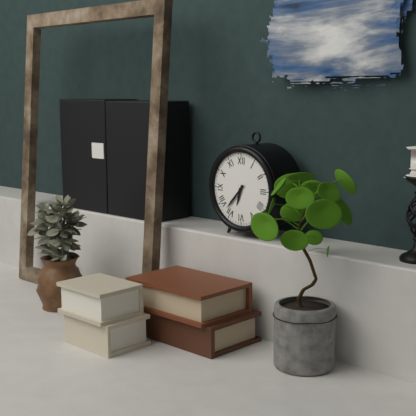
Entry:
6,37
